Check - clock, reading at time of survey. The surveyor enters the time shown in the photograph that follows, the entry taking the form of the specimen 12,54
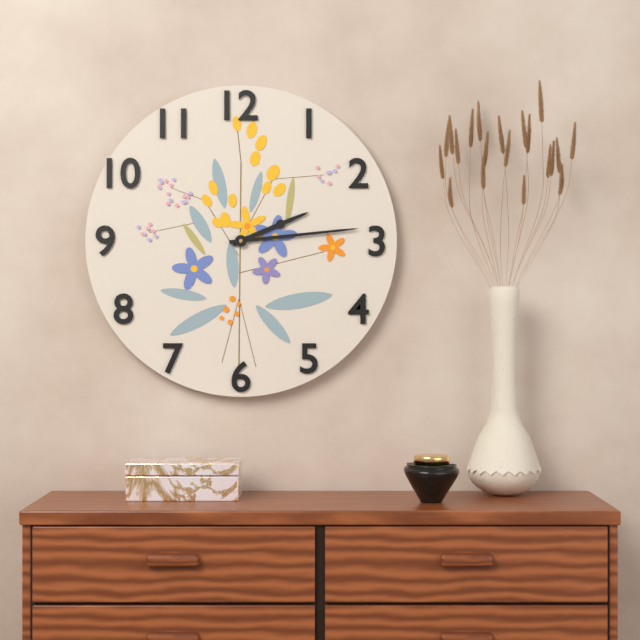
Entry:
2,14
